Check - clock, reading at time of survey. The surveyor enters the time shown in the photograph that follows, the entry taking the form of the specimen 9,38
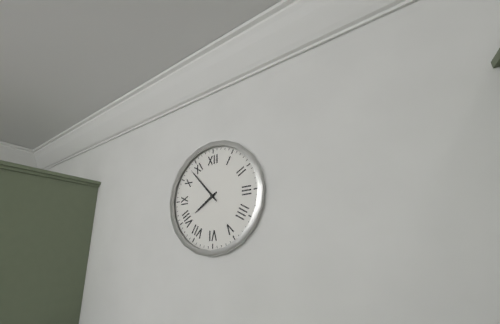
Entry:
7,53
